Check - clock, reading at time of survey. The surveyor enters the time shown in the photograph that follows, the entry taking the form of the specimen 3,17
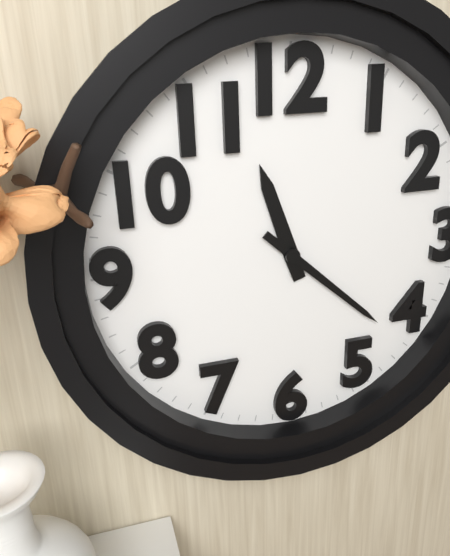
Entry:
11,22
